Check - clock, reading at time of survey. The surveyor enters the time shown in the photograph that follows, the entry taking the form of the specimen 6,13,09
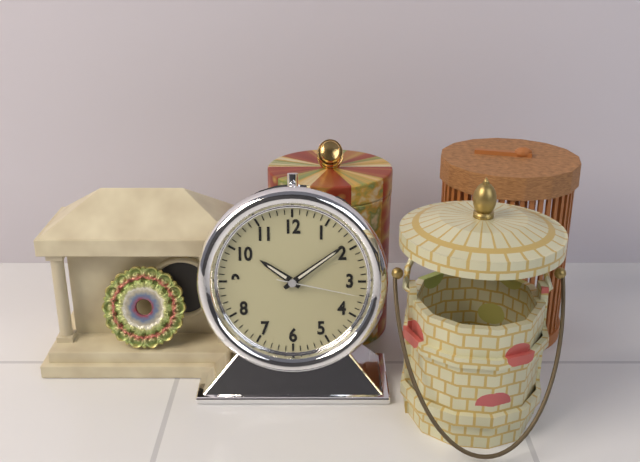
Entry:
10,09,17
